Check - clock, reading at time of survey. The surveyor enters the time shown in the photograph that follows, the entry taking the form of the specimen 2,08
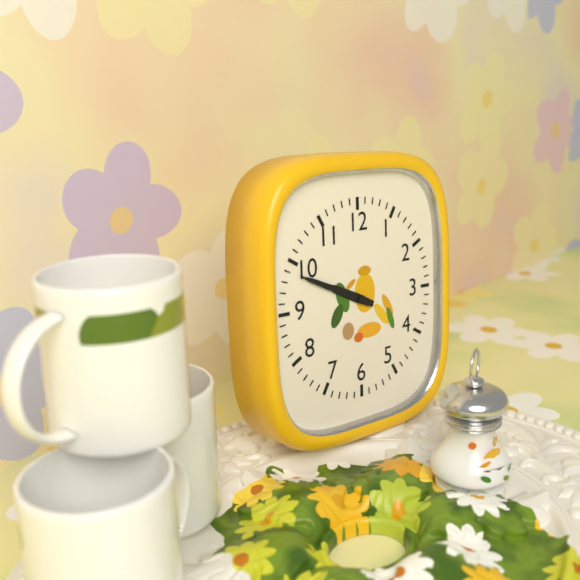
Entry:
9,49
